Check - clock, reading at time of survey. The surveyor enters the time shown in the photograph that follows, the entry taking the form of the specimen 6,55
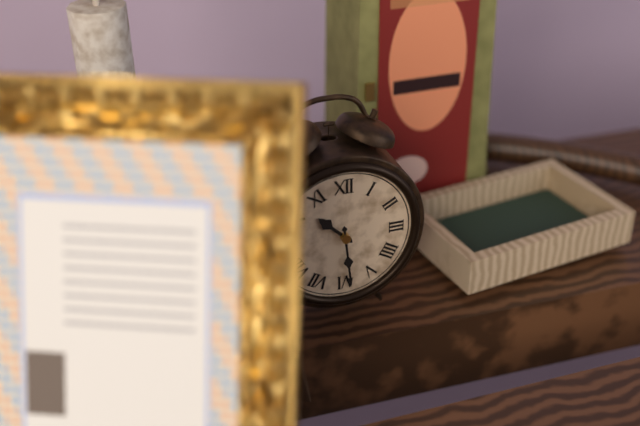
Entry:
10,29
